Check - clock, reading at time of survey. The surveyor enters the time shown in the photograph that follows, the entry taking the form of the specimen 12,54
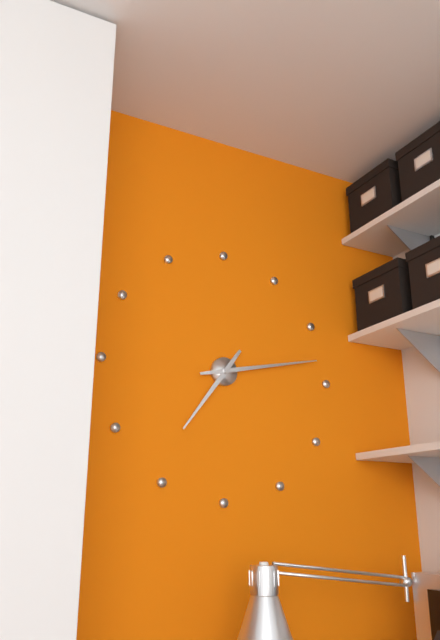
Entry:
7,13
